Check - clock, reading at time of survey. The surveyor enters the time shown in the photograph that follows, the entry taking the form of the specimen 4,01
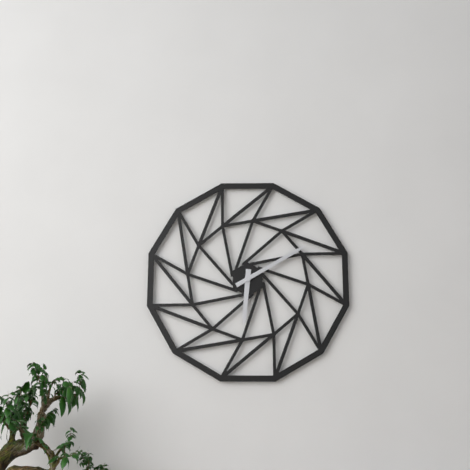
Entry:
6,10
